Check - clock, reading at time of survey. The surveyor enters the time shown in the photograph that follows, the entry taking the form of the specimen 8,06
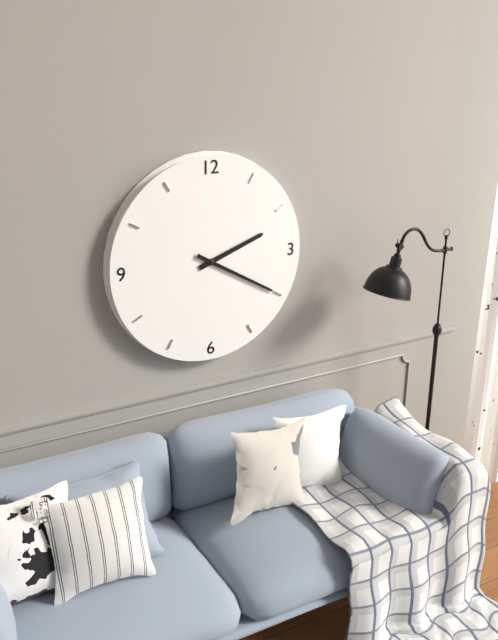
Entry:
2,20
